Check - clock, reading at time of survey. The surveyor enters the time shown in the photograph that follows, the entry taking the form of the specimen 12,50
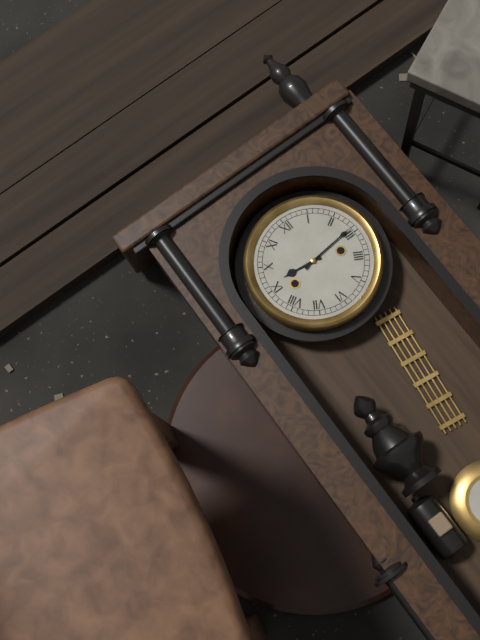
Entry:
9,14
